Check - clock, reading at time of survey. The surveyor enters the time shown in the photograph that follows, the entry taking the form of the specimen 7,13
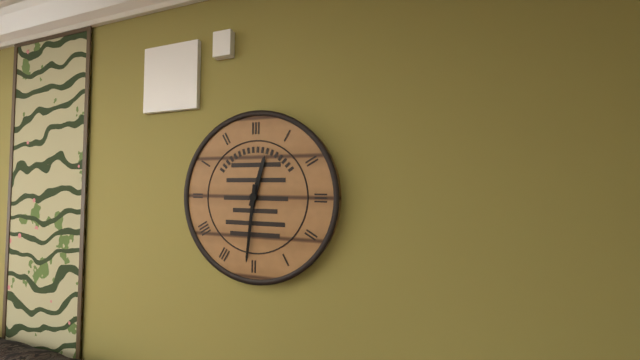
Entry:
12,31
